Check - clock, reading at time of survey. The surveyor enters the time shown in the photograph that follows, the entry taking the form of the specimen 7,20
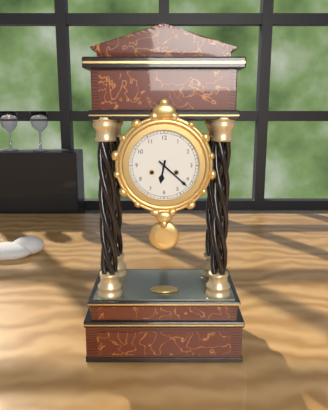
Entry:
6,22
